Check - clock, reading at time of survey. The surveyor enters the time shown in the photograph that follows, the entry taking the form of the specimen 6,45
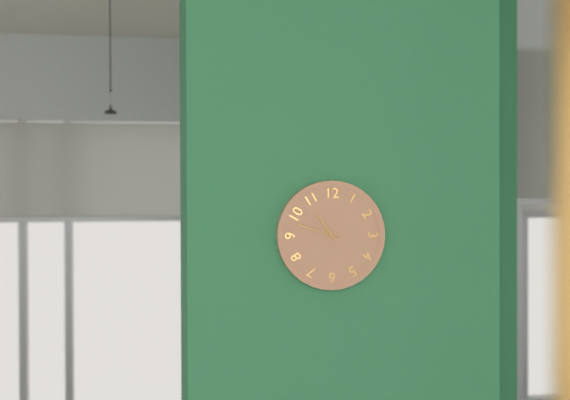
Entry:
10,48
